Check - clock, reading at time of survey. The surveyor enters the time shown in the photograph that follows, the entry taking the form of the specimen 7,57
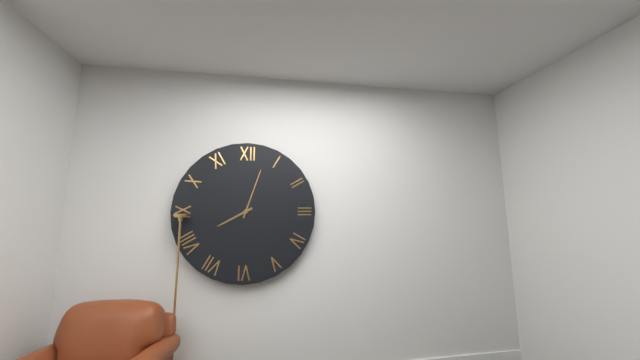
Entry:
8,03
